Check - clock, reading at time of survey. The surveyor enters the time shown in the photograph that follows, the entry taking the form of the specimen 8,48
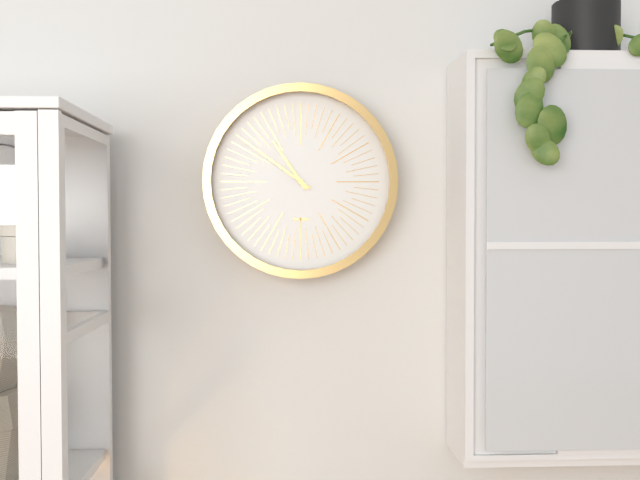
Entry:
10,51
